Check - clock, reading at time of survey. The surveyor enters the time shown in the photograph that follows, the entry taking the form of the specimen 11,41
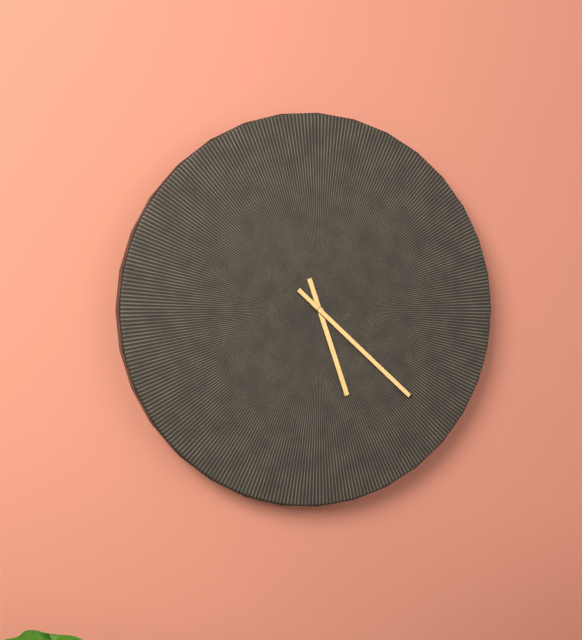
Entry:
5,22
